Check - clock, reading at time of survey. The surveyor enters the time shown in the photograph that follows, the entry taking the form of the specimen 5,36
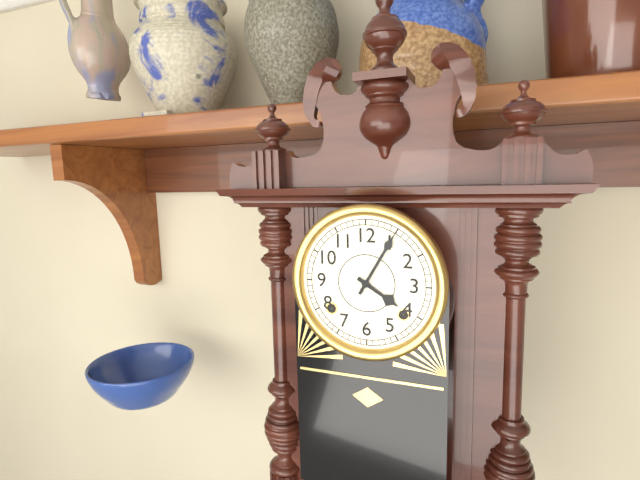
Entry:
4,05
